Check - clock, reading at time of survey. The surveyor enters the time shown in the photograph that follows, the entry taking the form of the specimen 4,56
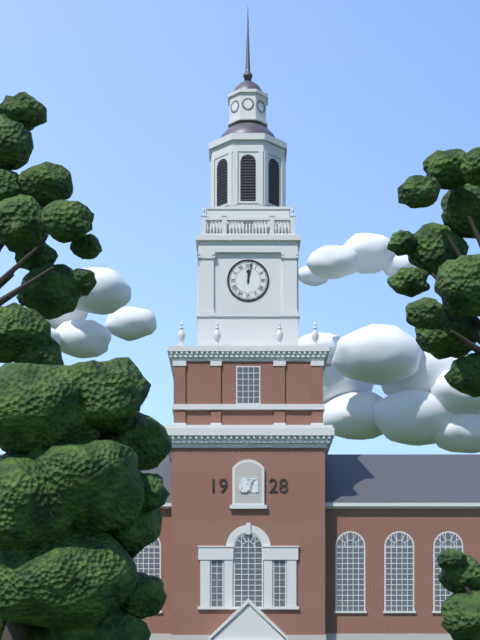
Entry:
12,02
